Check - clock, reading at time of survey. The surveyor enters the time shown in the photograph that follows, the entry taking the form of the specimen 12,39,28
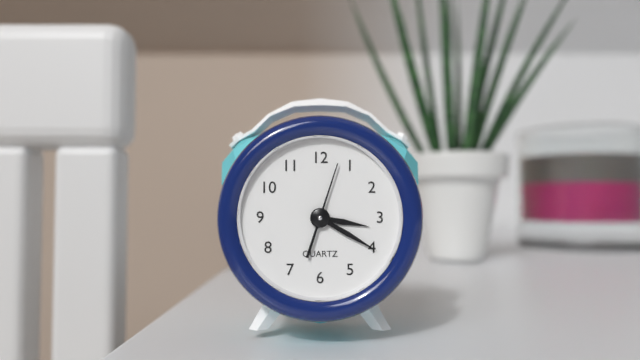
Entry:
3,20,03
